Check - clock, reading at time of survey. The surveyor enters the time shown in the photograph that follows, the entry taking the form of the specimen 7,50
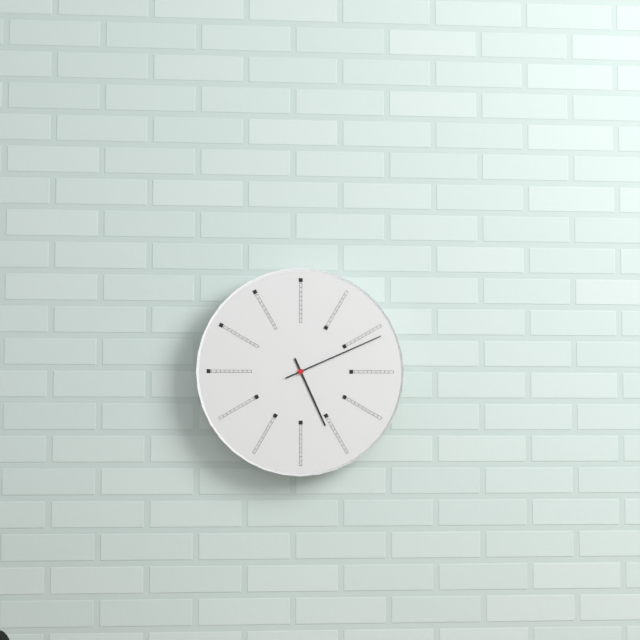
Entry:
5,11
